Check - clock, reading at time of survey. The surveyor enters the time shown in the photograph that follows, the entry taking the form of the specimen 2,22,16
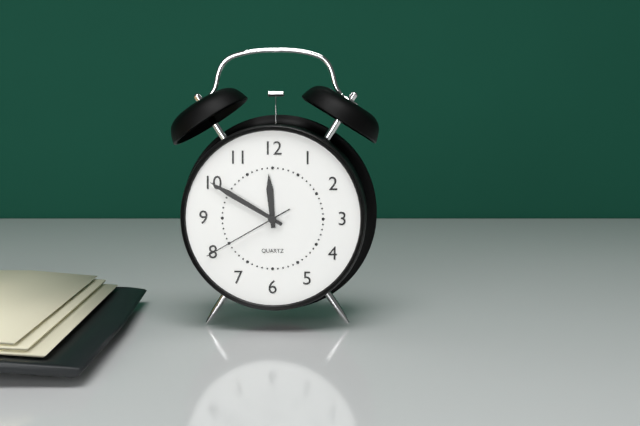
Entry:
11,50,40
